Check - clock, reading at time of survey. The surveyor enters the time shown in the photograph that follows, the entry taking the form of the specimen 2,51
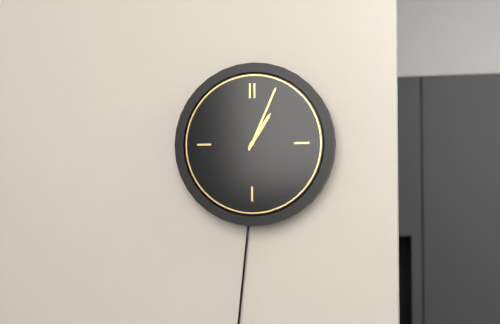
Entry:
1,04
